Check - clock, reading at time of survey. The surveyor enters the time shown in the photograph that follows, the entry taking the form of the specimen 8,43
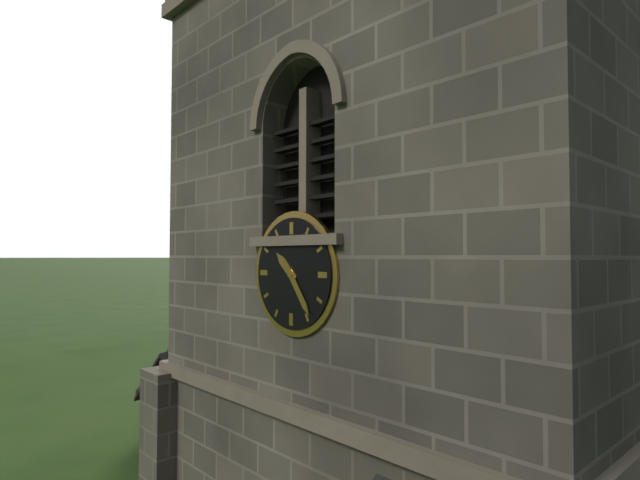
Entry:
10,24
